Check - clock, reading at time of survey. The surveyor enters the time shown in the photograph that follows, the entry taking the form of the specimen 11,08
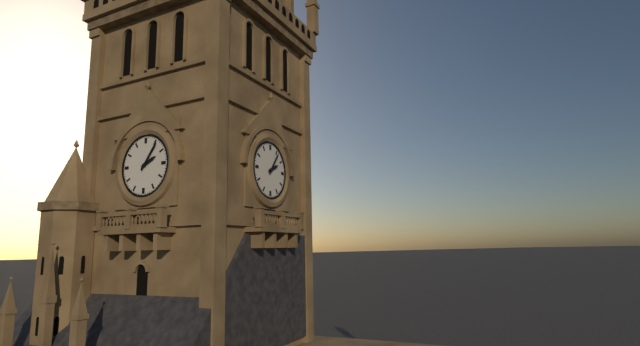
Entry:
2,06
